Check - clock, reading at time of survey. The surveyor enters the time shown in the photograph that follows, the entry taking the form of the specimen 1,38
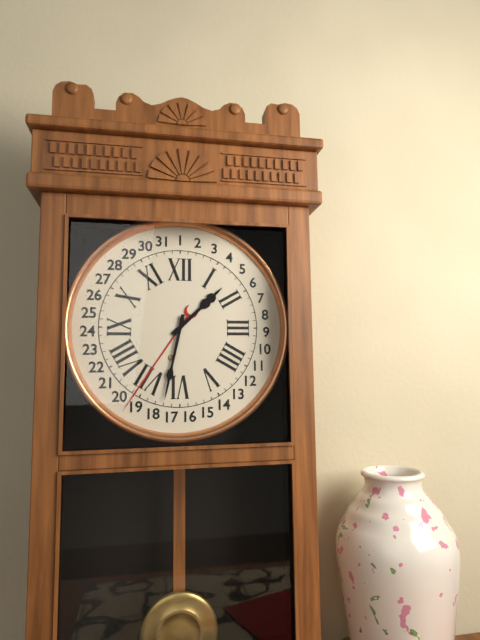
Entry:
1,32
